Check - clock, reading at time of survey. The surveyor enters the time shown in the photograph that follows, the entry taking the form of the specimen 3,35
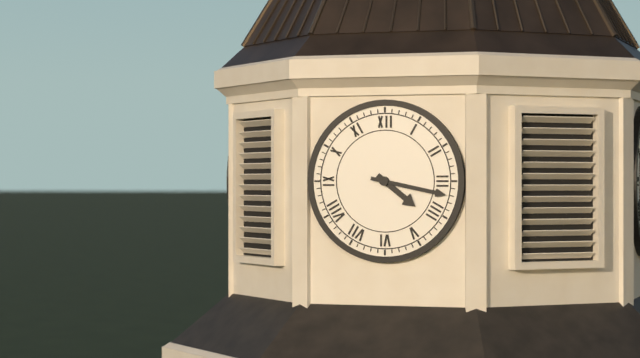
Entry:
4,17
